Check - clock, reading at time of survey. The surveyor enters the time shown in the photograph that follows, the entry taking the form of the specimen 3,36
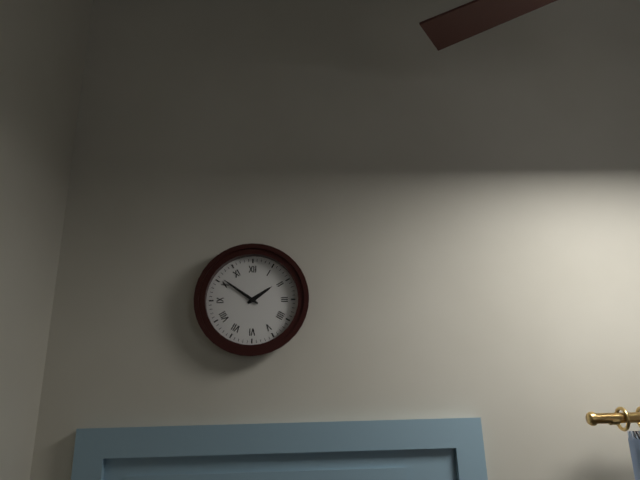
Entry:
1,51
